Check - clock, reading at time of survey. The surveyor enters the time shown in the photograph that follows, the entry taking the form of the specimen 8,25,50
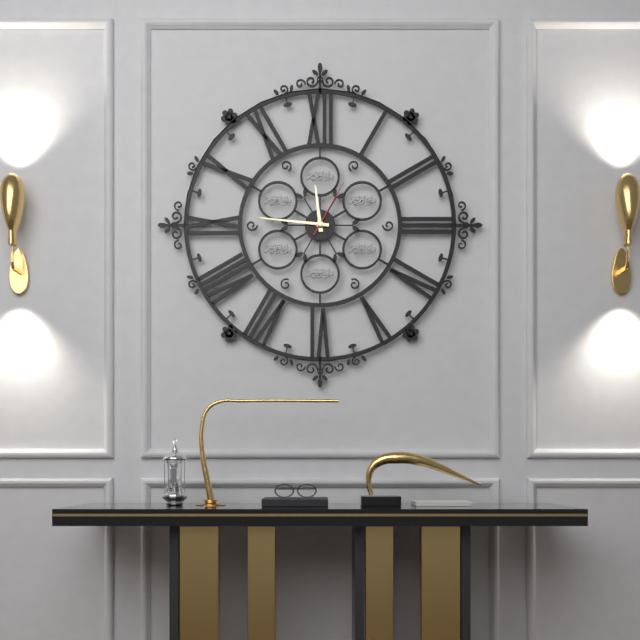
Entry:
11,46,05
